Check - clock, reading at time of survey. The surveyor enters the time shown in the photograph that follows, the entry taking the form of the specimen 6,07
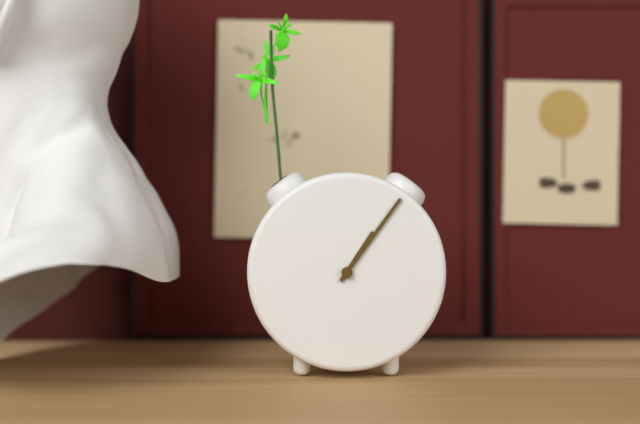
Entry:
1,06
